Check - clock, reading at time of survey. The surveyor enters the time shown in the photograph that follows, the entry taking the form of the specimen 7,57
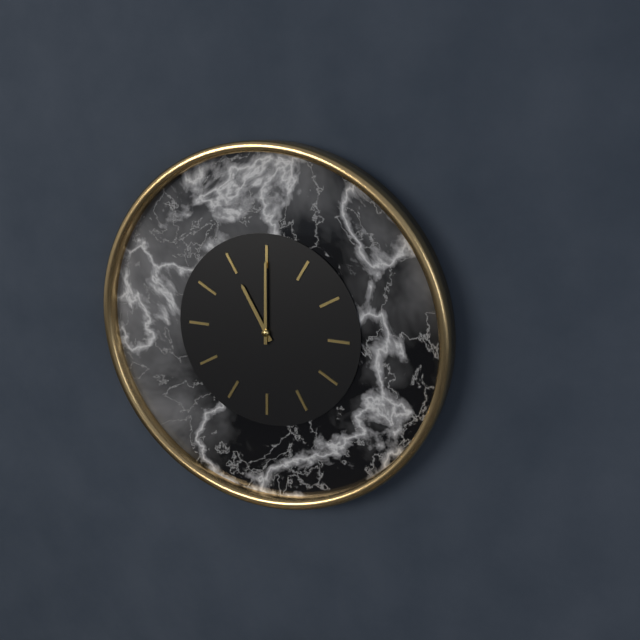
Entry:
11,00
